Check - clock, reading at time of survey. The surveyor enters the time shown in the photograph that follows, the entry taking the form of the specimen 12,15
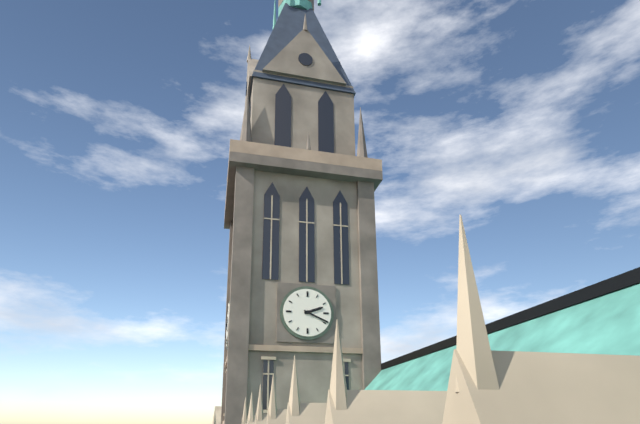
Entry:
2,19
